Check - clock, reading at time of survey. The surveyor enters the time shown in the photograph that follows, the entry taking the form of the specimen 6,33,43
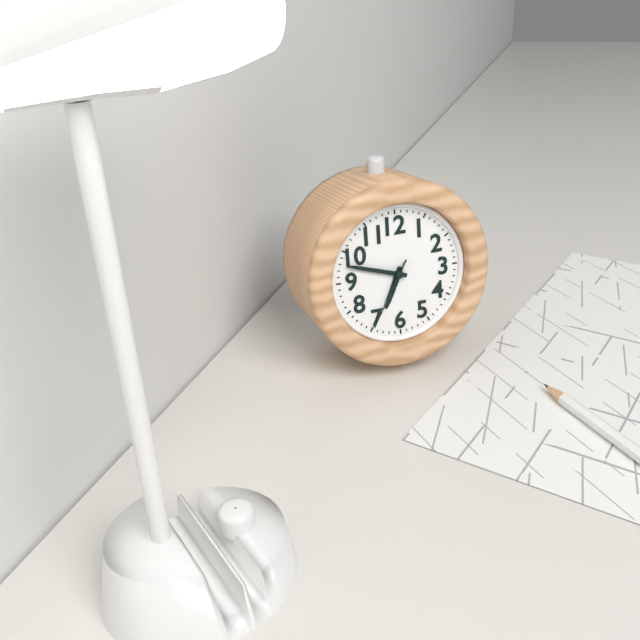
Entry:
6,48,35
